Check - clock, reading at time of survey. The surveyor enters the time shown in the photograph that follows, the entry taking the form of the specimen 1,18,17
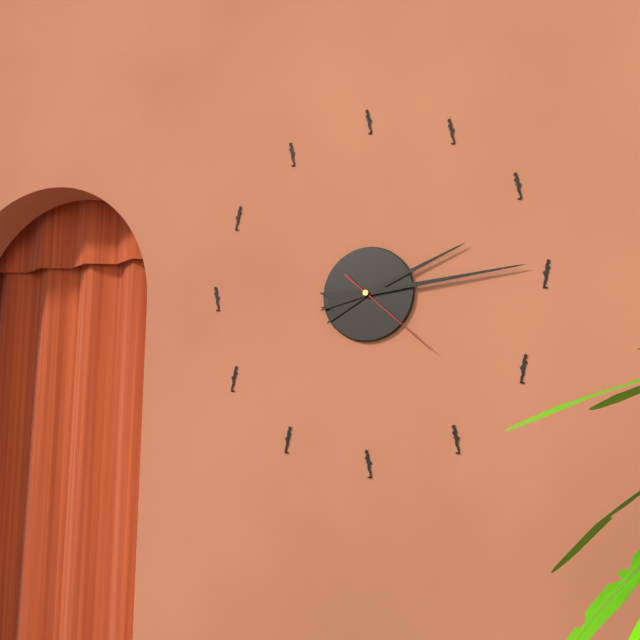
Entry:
2,14,22
